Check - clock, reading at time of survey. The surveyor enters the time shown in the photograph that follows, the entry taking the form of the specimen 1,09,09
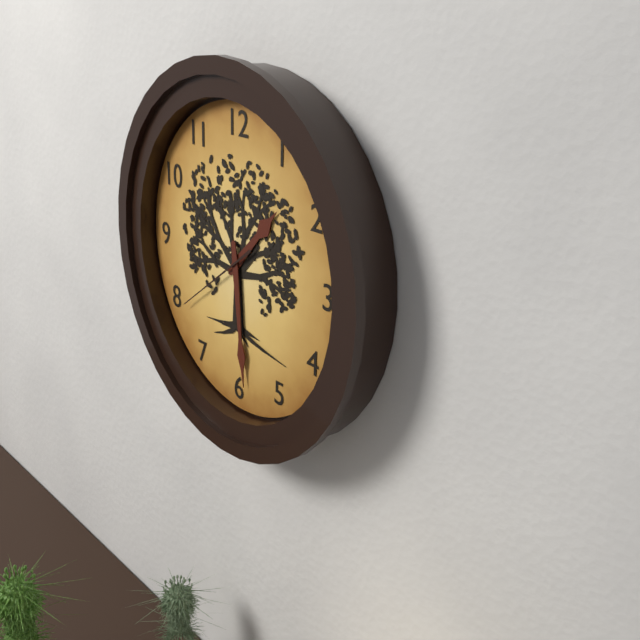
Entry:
1,29,39
